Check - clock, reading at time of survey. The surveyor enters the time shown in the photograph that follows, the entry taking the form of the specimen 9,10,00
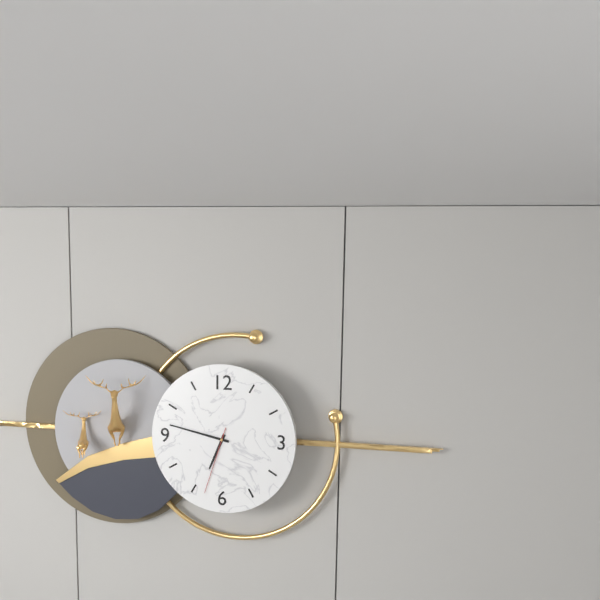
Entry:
6,47,33
